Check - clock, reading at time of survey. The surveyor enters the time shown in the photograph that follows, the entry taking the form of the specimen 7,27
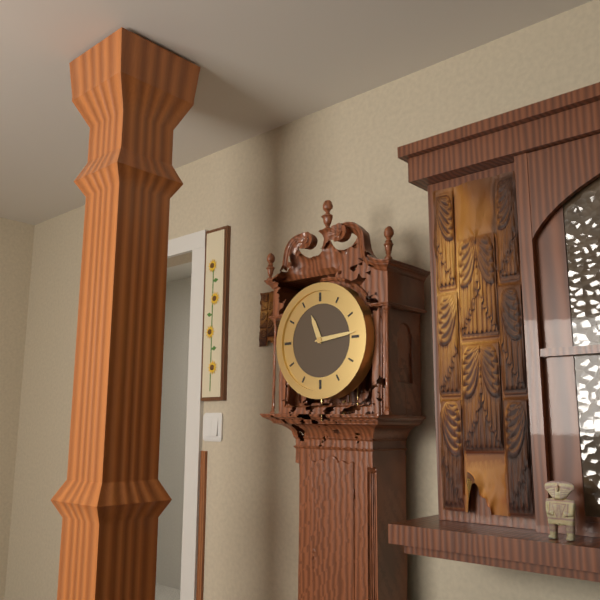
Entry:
11,14
